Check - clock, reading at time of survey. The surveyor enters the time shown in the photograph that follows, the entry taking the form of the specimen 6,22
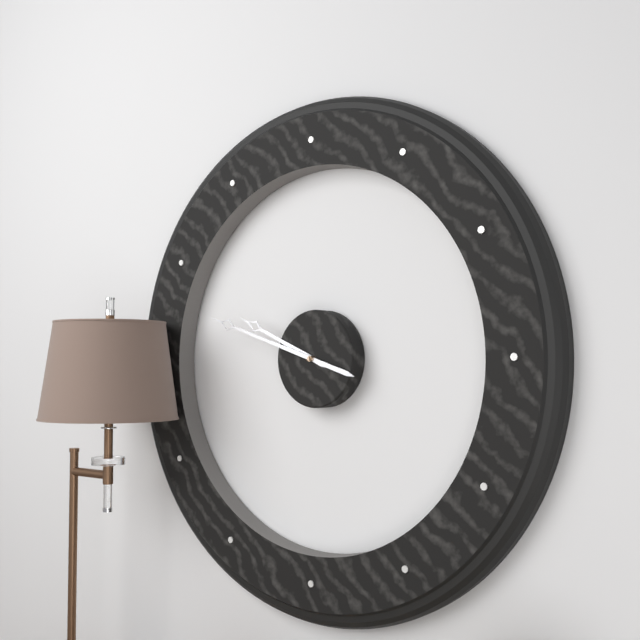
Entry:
9,48
